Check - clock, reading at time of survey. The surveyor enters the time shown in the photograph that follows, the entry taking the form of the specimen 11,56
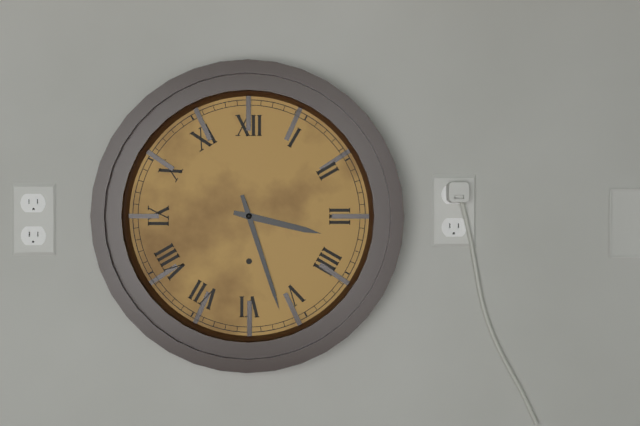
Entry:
3,27
